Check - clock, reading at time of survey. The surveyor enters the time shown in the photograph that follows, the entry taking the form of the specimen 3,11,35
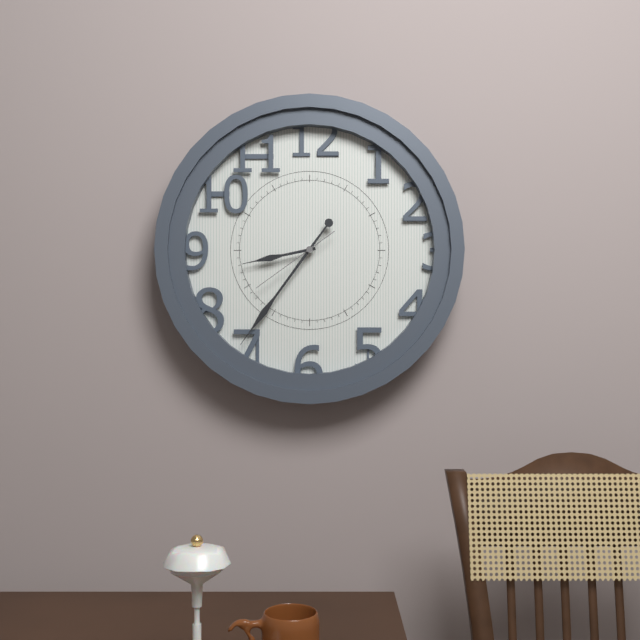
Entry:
8,36,39
